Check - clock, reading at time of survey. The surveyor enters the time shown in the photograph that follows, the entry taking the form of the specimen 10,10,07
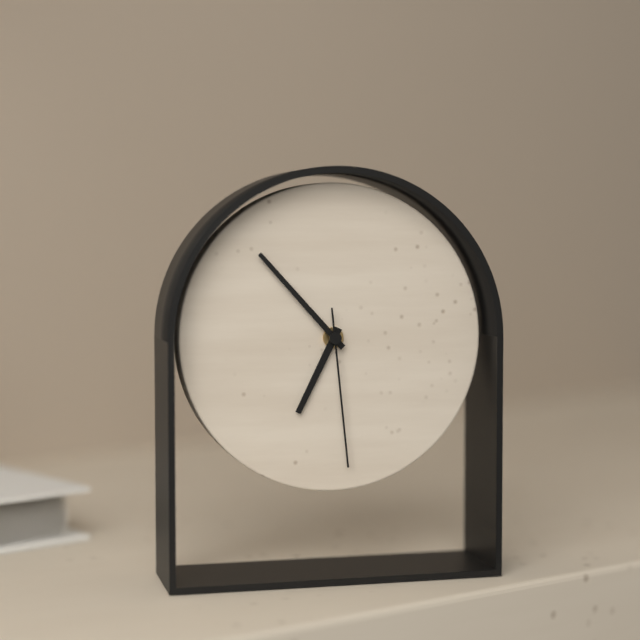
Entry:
6,53,29
